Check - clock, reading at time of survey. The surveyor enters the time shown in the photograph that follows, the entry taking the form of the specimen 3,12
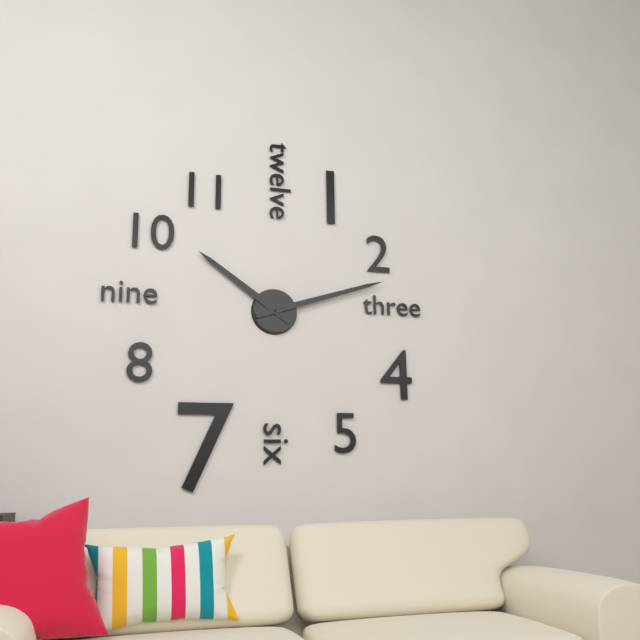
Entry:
10,12
